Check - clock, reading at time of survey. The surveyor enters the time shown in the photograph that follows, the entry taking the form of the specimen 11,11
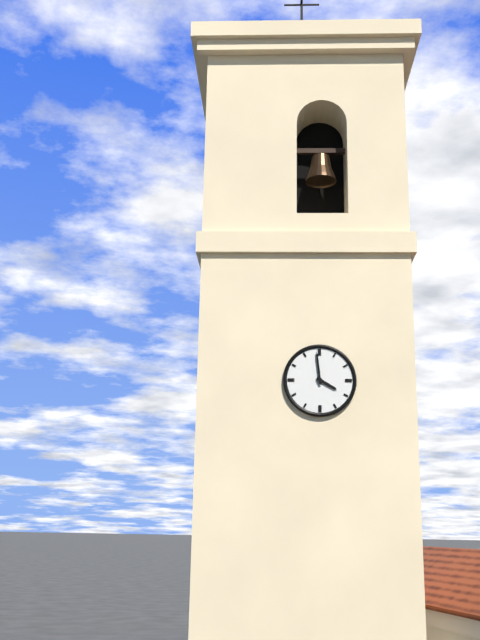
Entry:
3,59
